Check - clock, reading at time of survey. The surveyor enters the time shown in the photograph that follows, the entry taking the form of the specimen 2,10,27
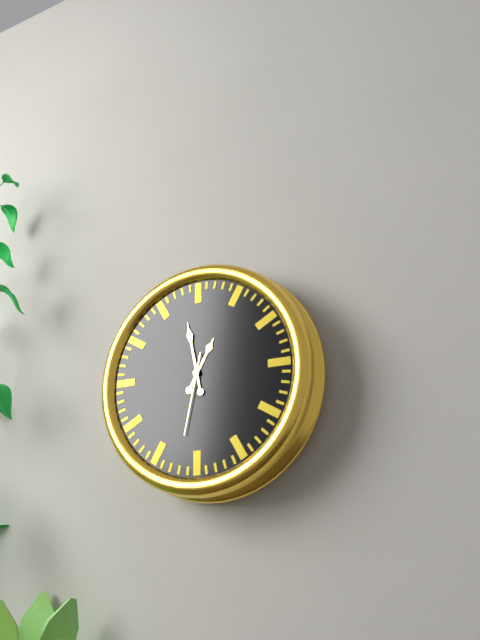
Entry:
12,58,32
